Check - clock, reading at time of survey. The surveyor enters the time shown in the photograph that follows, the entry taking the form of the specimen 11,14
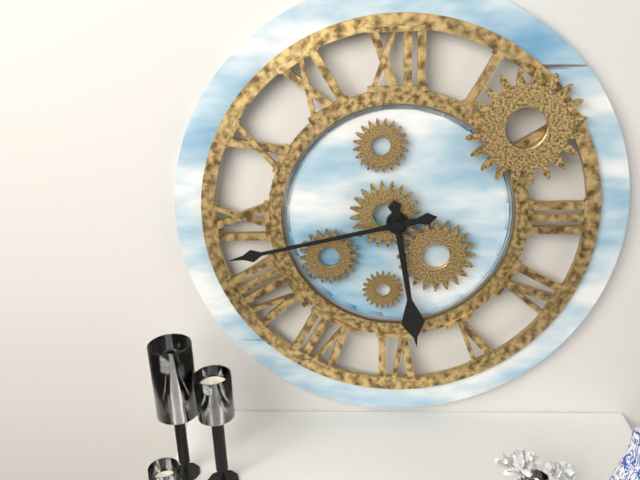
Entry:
5,43
